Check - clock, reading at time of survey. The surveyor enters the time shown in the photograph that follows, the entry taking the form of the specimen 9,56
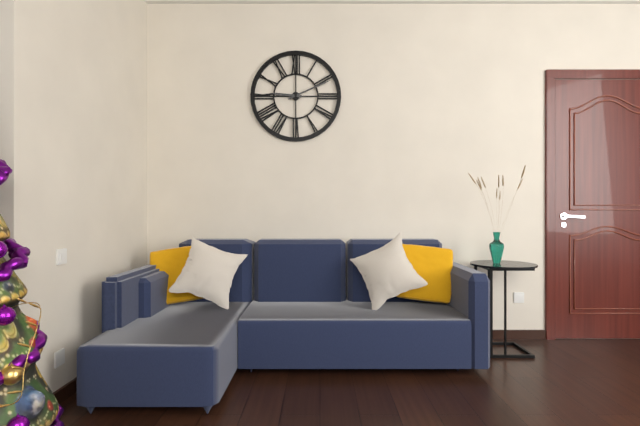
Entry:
9,11
